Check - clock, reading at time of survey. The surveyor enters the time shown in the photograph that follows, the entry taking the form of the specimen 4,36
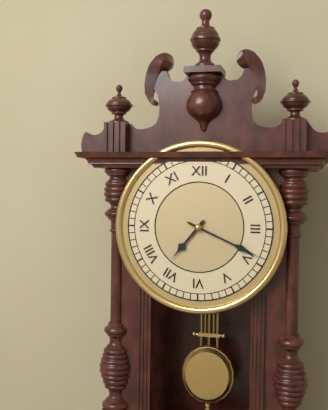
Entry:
7,19
